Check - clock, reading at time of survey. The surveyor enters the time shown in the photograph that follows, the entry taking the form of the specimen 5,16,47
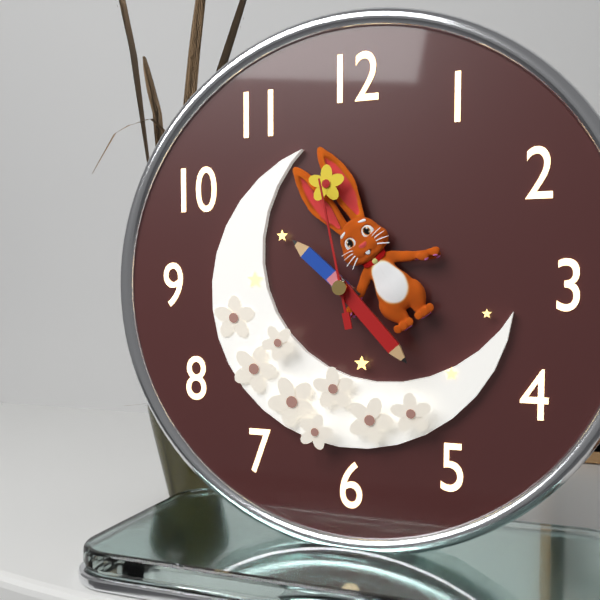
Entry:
10,23,58
